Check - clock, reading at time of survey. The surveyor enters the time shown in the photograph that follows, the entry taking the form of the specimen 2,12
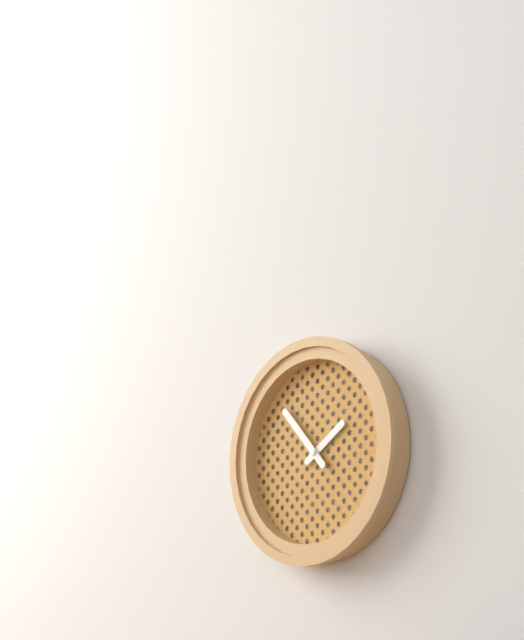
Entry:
1,53
